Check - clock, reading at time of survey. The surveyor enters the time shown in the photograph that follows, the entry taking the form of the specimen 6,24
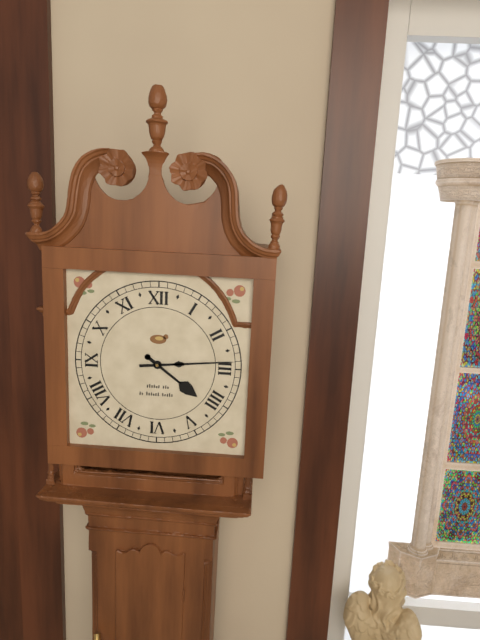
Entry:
4,14
